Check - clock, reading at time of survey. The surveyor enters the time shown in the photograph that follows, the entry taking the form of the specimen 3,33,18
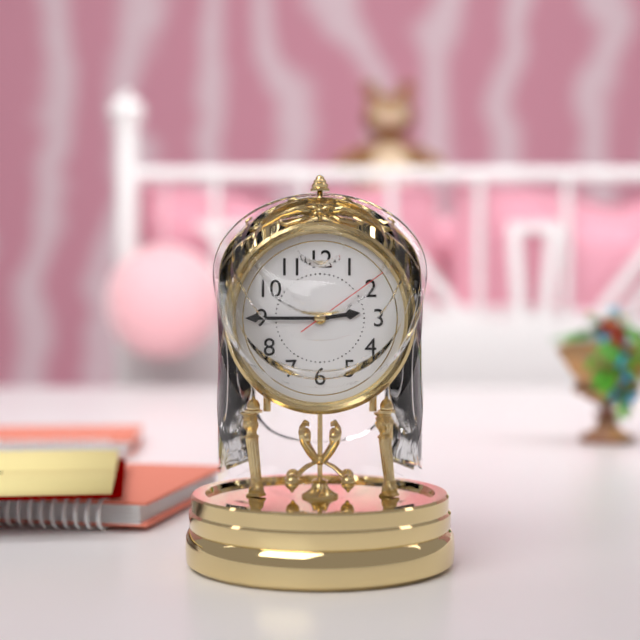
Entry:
2,45,09
